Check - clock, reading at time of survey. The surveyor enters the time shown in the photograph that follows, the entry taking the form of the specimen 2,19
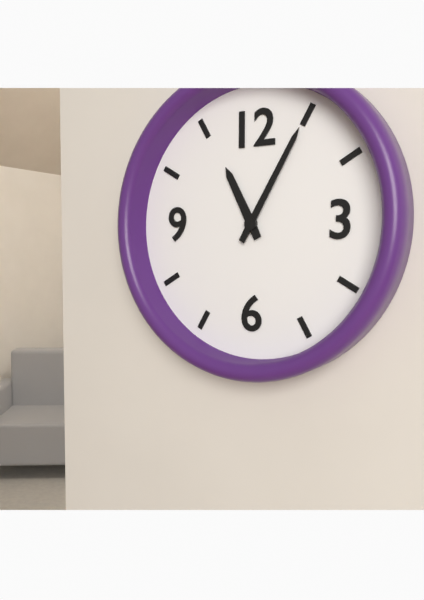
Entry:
11,05
